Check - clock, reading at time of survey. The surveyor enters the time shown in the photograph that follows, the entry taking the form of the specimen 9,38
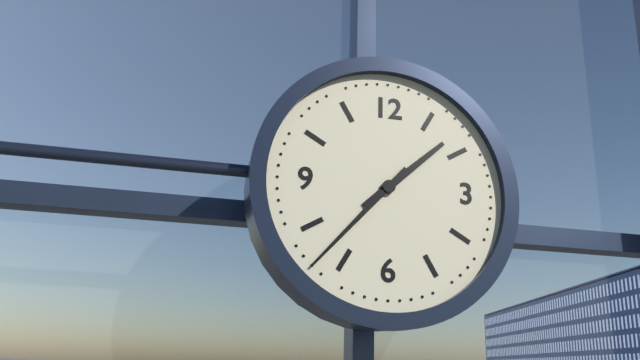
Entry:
1,37
